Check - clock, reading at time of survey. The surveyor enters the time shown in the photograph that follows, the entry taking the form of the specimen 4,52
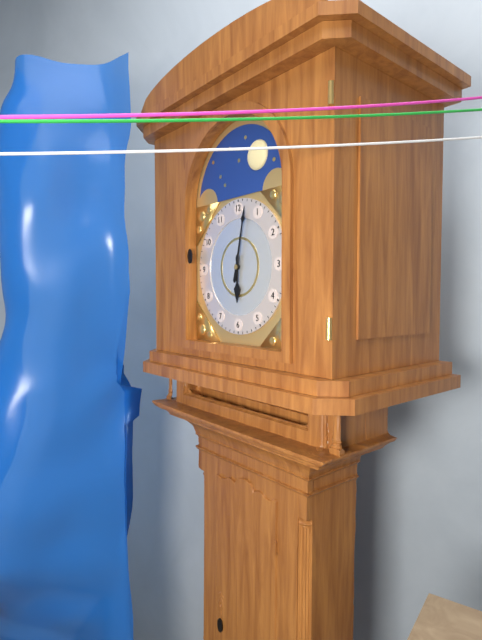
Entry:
6,02
